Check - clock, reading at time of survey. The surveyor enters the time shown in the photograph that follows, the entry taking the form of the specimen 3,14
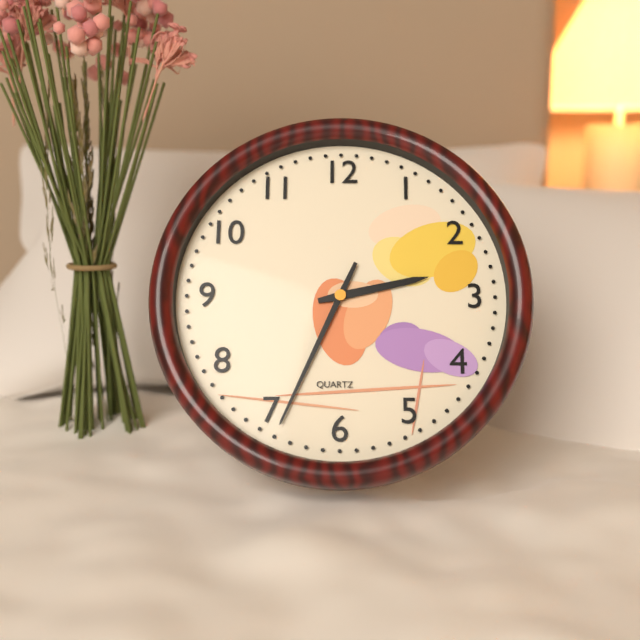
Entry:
2,34
